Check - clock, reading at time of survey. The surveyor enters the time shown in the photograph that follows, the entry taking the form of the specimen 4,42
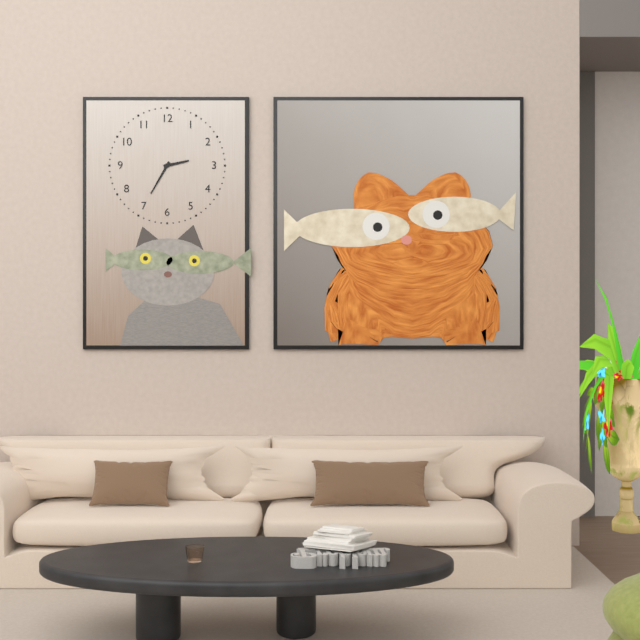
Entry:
2,35
